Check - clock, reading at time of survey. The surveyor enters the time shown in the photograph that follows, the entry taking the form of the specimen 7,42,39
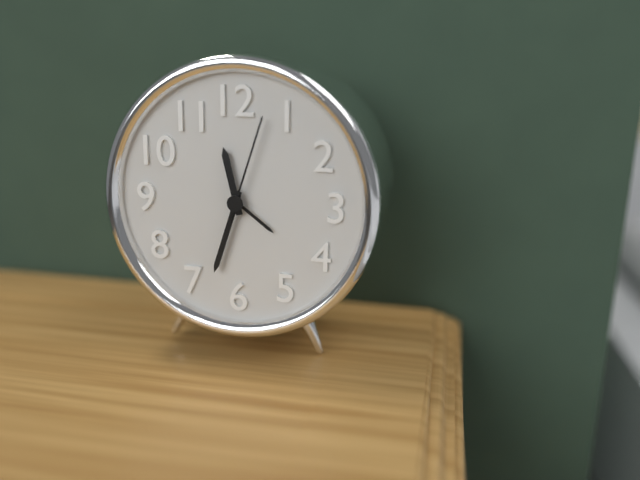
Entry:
11,33,03
